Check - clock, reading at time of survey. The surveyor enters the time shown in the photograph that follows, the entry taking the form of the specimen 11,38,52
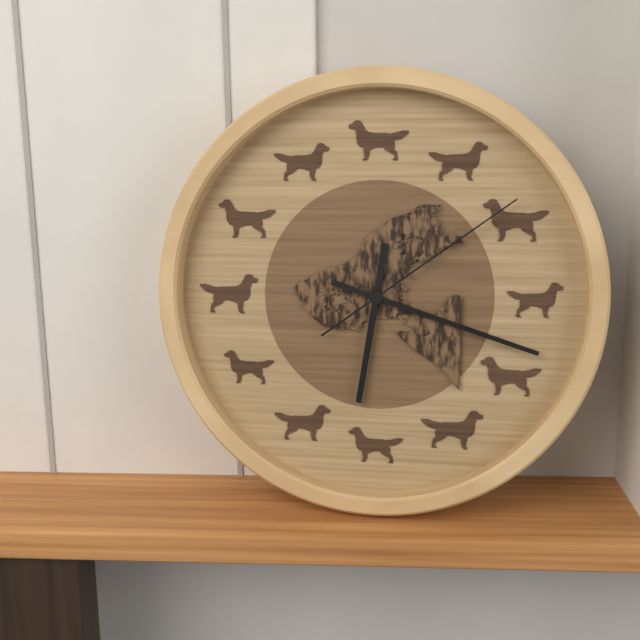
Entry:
6,18,09
